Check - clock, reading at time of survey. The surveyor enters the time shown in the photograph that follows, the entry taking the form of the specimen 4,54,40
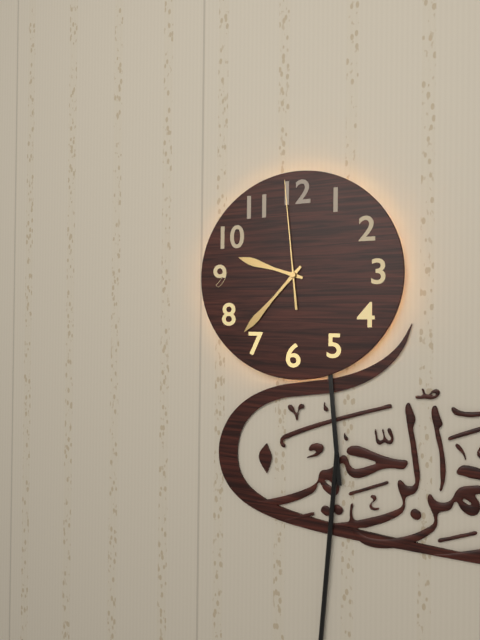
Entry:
9,37,59
